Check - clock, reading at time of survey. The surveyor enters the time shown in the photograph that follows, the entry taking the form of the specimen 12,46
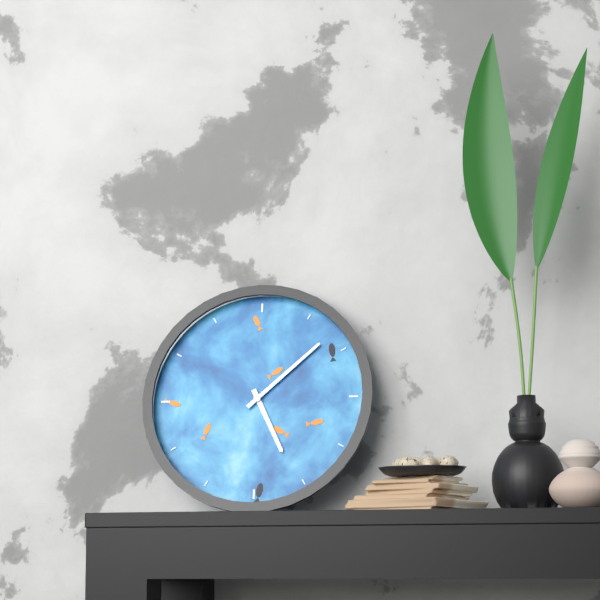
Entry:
5,08
